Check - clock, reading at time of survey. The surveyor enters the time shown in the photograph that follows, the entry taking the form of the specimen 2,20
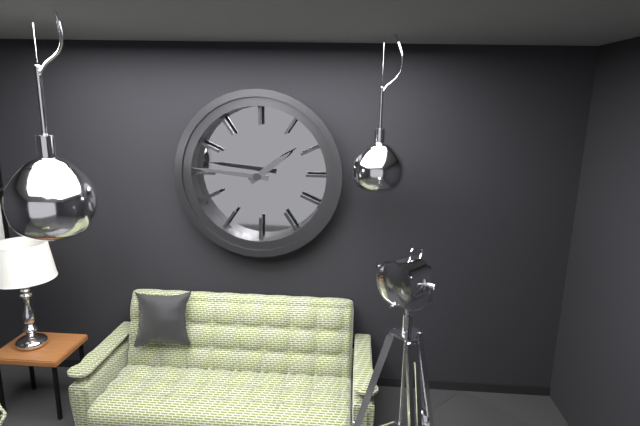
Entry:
1,46
